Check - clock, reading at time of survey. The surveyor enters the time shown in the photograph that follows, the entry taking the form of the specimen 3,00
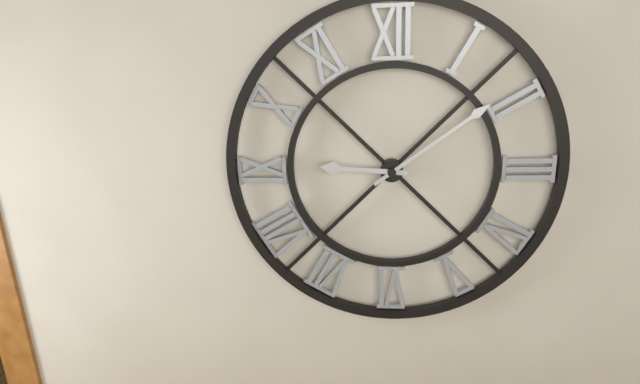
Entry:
9,09
